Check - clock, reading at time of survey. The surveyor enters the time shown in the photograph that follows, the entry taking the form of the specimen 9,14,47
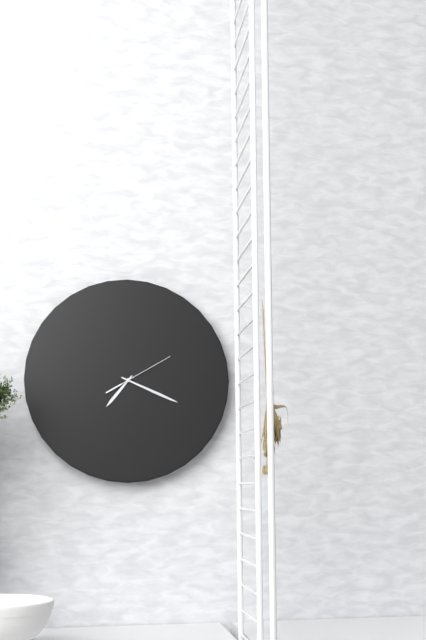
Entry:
7,19,10
